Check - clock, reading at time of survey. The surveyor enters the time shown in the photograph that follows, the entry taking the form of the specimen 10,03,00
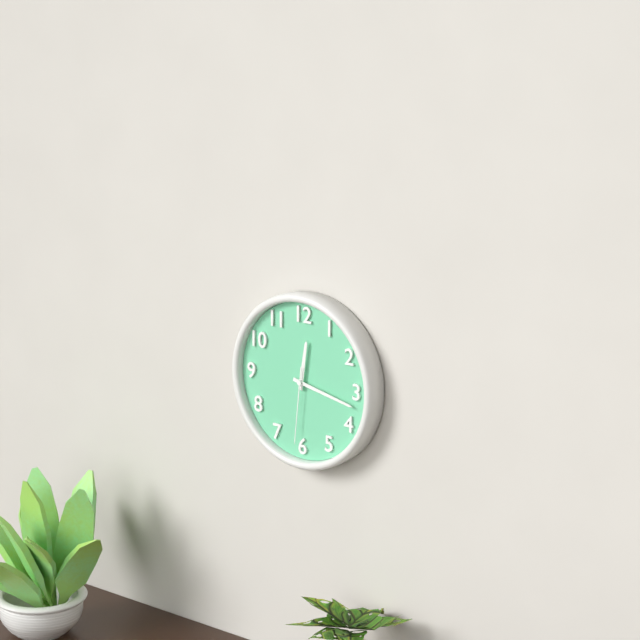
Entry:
12,17,31
